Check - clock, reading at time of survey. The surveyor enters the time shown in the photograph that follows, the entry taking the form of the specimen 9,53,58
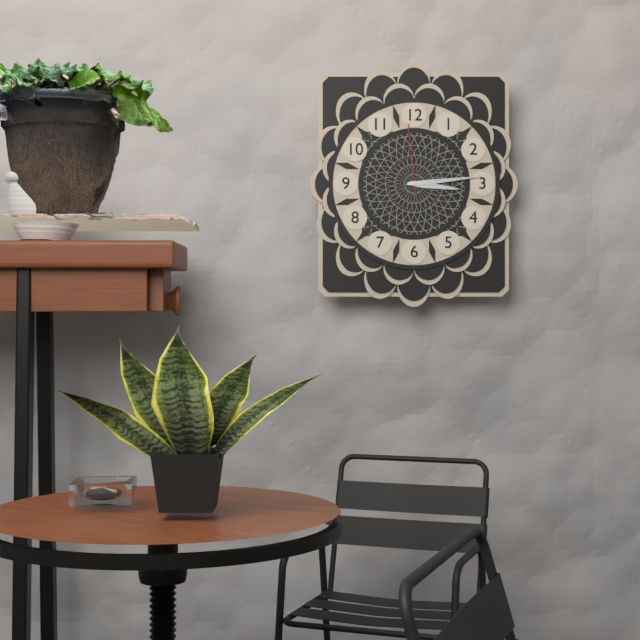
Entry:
3,14,59
